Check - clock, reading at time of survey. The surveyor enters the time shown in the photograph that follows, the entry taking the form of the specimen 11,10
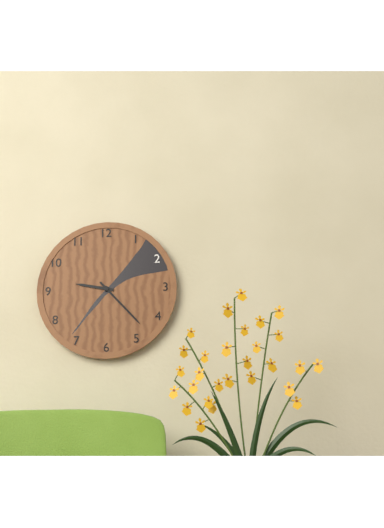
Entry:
9,23
